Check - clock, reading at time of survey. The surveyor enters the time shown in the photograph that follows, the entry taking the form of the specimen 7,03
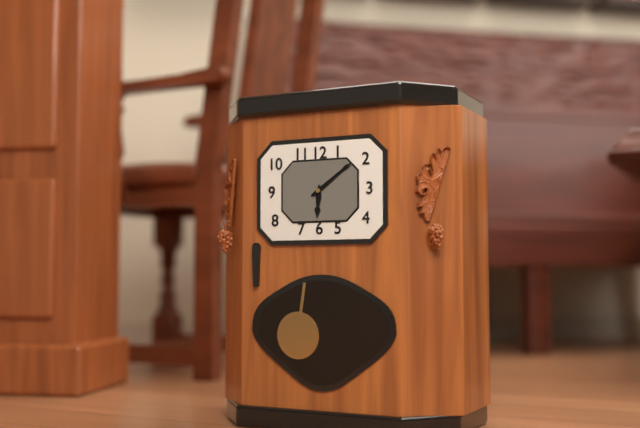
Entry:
6,09
